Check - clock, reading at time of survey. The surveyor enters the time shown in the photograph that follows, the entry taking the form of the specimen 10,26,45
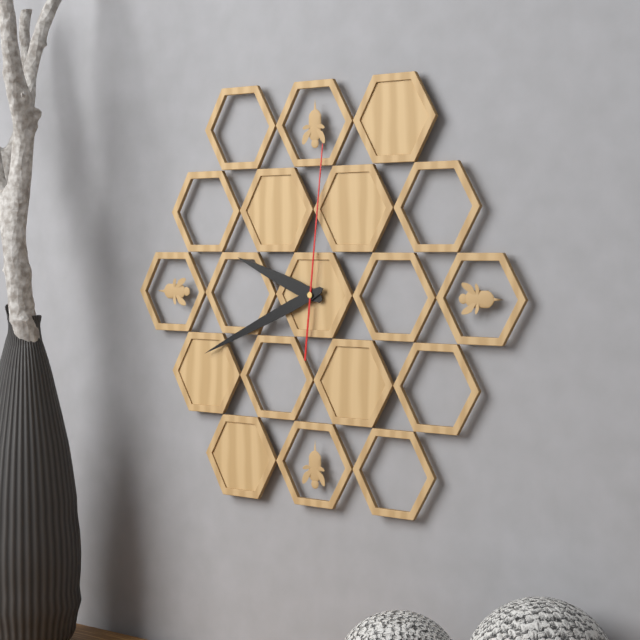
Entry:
9,41,01
